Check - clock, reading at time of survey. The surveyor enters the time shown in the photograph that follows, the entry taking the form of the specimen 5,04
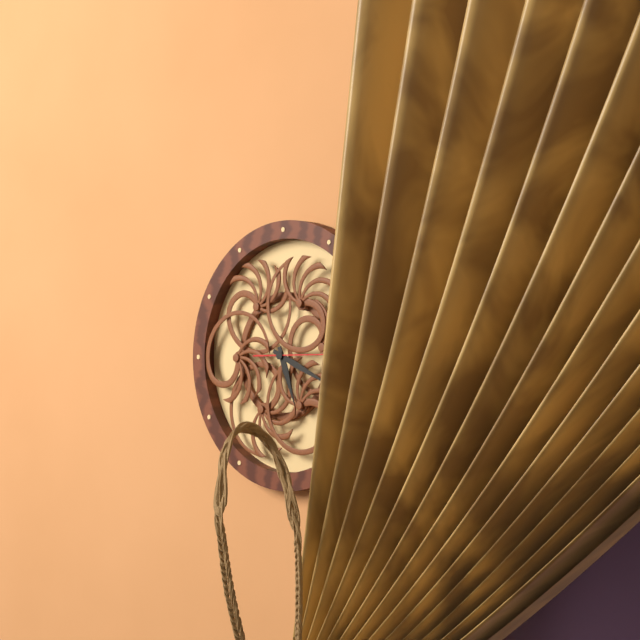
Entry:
5,19
